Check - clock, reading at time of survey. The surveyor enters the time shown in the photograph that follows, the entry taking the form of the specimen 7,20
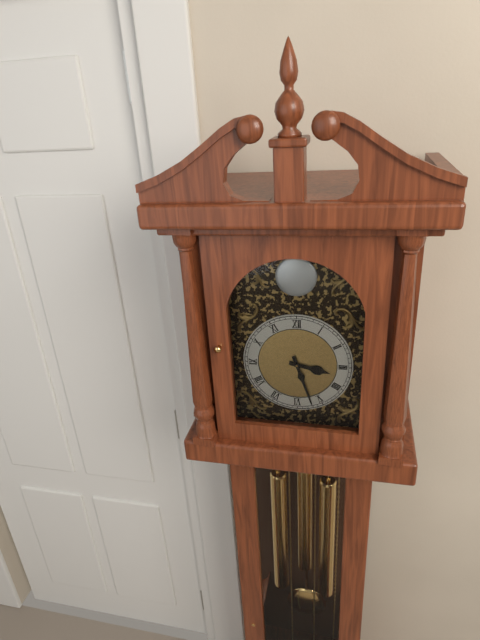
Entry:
3,27
